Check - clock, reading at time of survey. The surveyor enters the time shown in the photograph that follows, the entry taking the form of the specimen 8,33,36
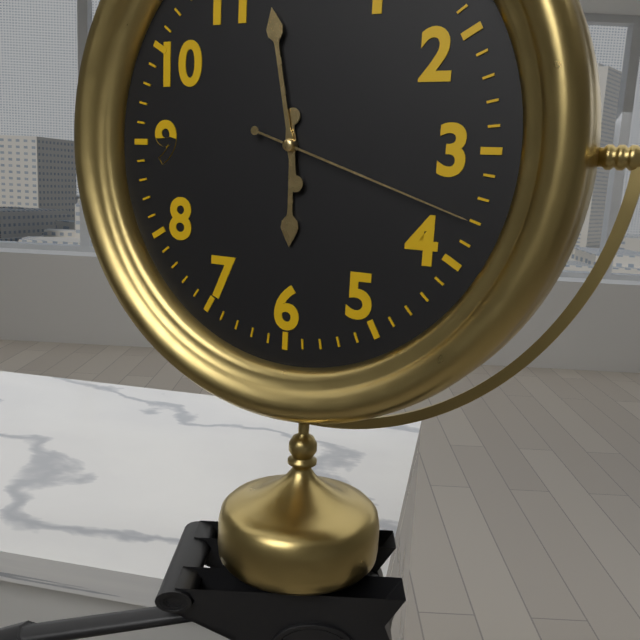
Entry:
5,58,18
